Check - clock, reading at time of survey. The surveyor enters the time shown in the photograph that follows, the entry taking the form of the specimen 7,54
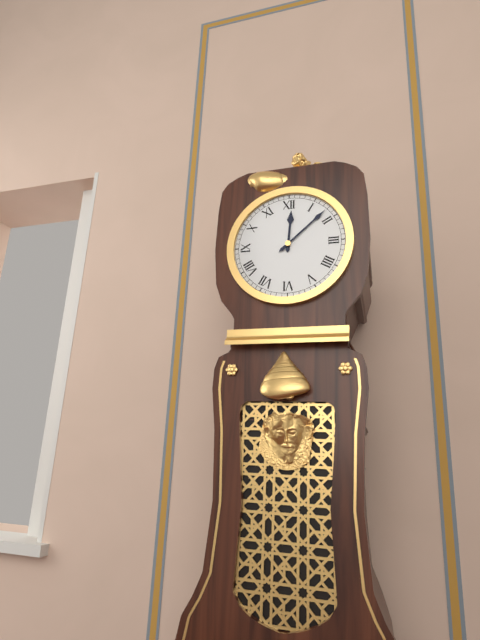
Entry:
12,08
